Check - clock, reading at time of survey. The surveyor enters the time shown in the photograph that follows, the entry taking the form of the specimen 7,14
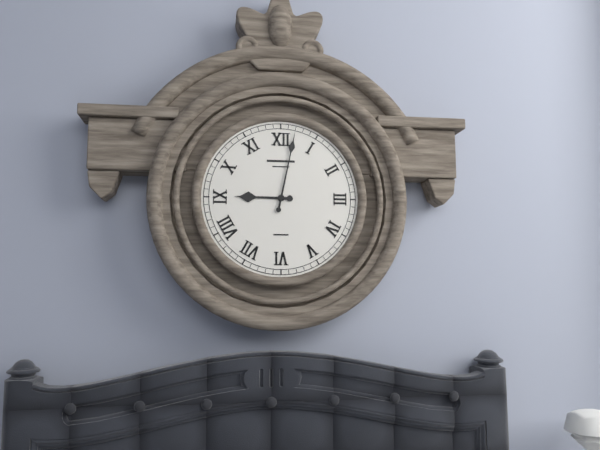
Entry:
9,02
